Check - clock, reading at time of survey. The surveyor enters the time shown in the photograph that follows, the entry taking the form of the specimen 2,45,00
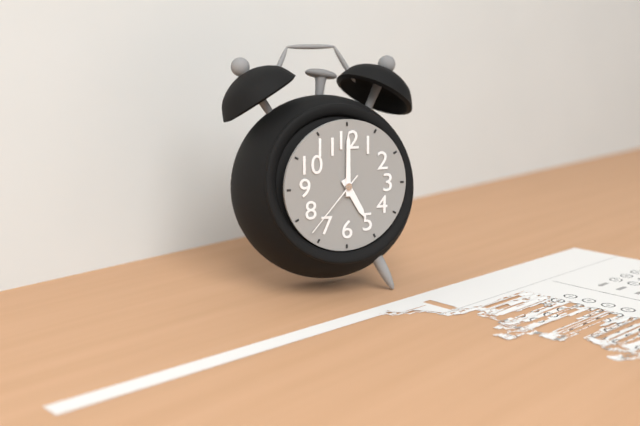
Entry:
5,00,37
